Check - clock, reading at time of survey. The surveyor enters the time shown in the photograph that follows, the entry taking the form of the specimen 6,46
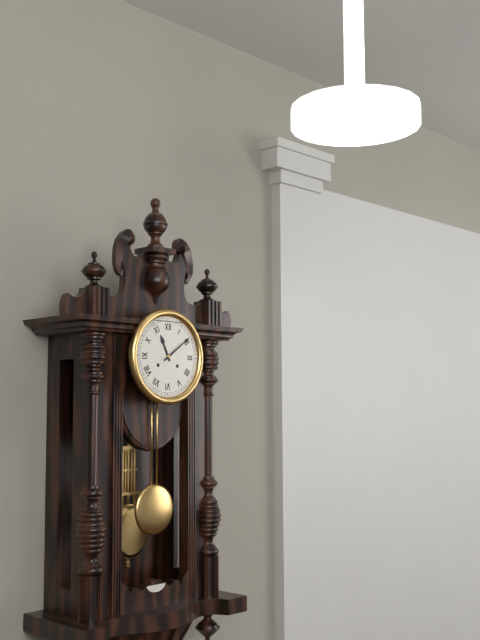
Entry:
11,09
